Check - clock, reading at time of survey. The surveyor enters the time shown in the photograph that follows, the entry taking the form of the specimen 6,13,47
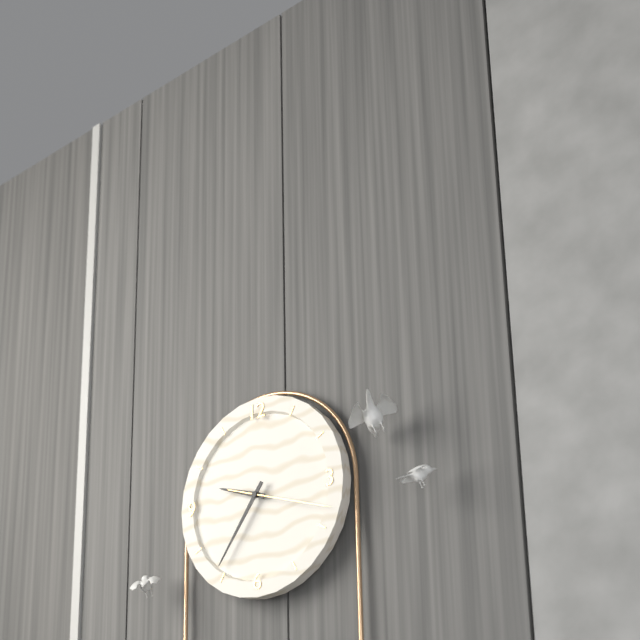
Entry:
9,36,18
